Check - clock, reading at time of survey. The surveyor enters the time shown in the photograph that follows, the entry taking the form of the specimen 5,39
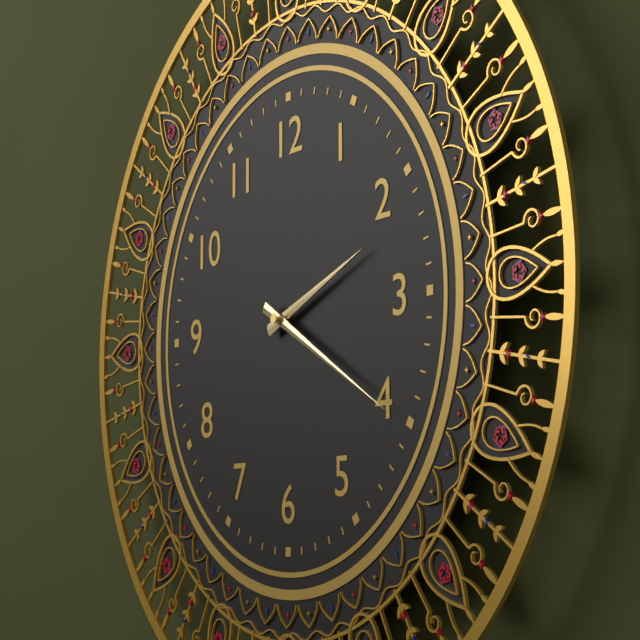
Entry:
2,20
